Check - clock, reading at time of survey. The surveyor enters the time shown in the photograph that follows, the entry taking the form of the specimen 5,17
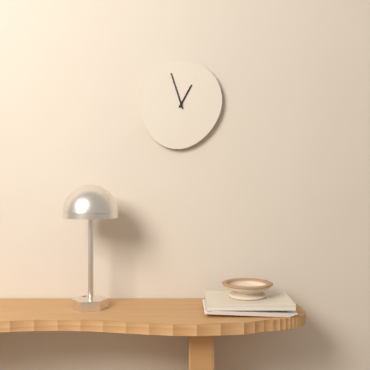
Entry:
12,57
